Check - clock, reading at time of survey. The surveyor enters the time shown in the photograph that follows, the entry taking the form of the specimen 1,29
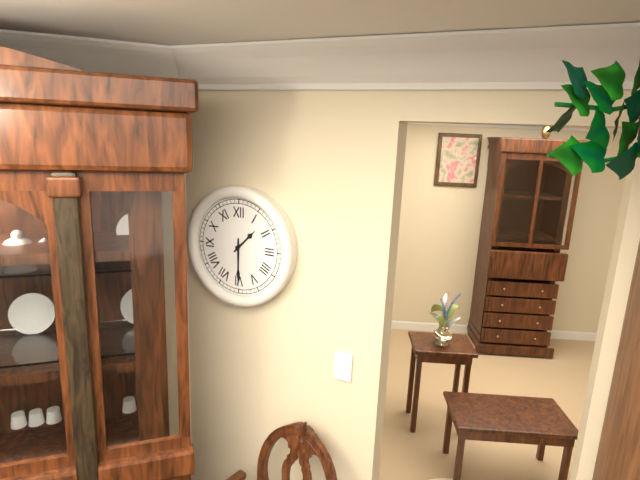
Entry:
1,30
